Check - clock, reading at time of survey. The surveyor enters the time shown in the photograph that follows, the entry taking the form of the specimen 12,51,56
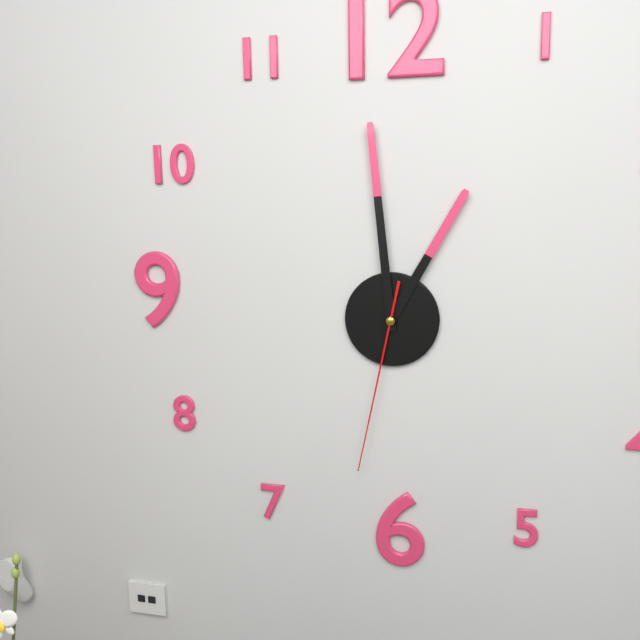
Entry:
12,59,32
